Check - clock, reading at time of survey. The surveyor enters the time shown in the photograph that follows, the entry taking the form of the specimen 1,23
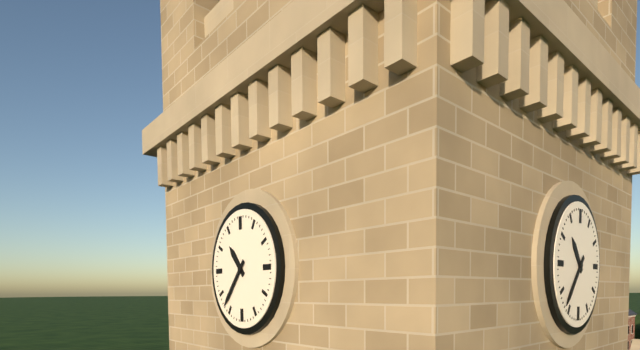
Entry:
10,37
